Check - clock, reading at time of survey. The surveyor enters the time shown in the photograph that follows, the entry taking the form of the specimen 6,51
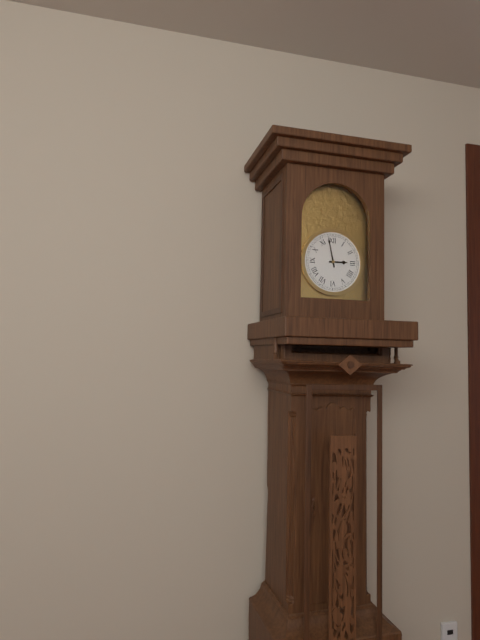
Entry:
2,58
